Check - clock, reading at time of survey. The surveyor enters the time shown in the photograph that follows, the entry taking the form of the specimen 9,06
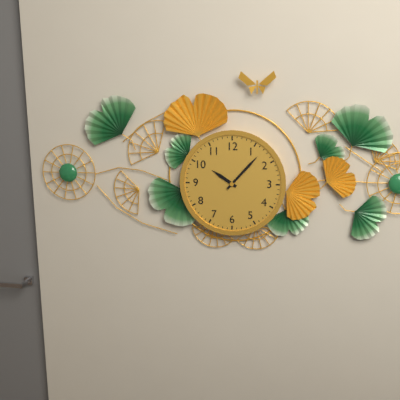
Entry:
10,07
